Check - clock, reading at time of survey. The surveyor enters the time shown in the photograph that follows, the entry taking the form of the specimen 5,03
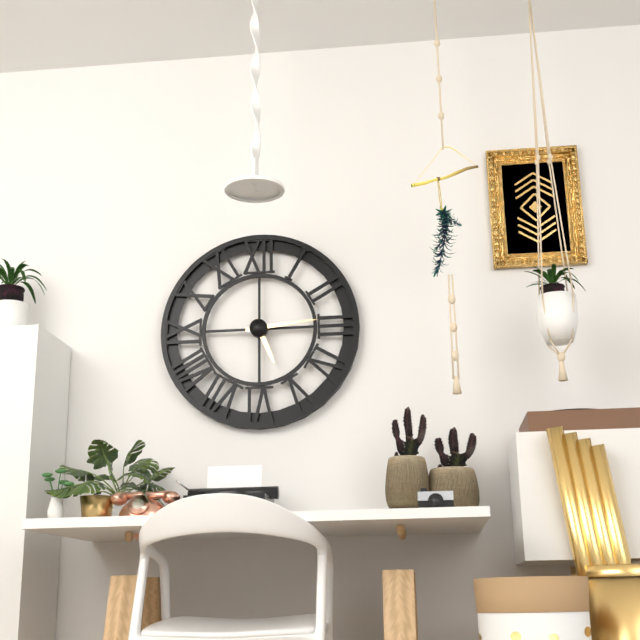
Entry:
5,14
